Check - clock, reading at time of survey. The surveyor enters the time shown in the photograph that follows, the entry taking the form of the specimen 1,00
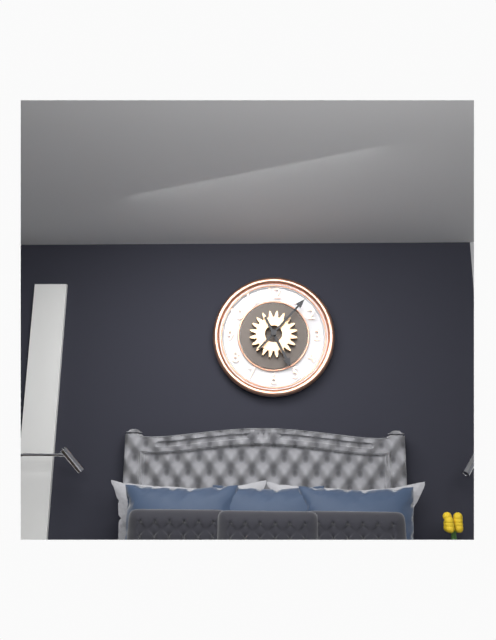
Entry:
5,07
